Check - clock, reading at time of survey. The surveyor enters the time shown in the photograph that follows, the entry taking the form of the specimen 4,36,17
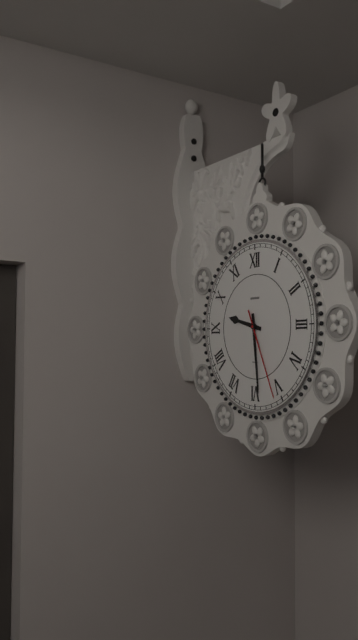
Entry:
9,29,26
